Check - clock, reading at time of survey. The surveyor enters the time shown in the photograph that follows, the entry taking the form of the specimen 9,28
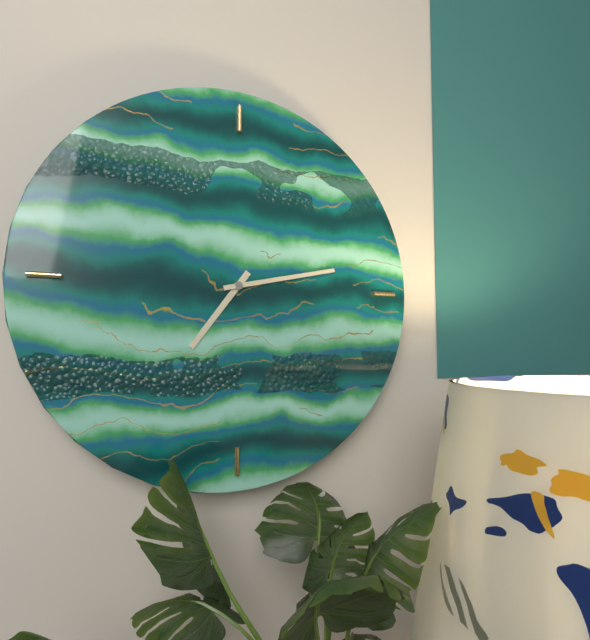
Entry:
7,13
